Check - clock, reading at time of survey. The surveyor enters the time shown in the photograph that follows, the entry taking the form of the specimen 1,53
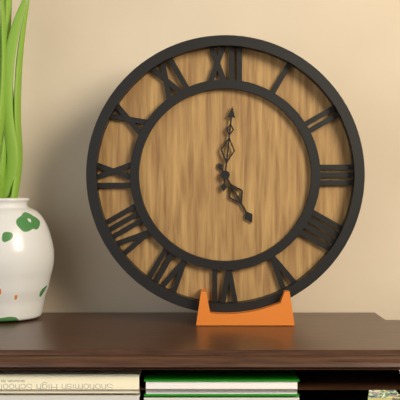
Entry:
5,01
